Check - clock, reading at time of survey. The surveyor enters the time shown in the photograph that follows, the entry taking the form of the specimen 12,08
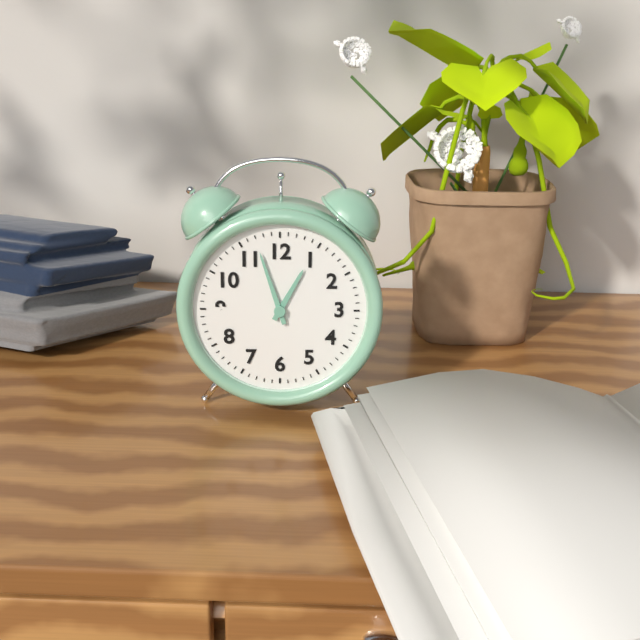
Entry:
12,57
